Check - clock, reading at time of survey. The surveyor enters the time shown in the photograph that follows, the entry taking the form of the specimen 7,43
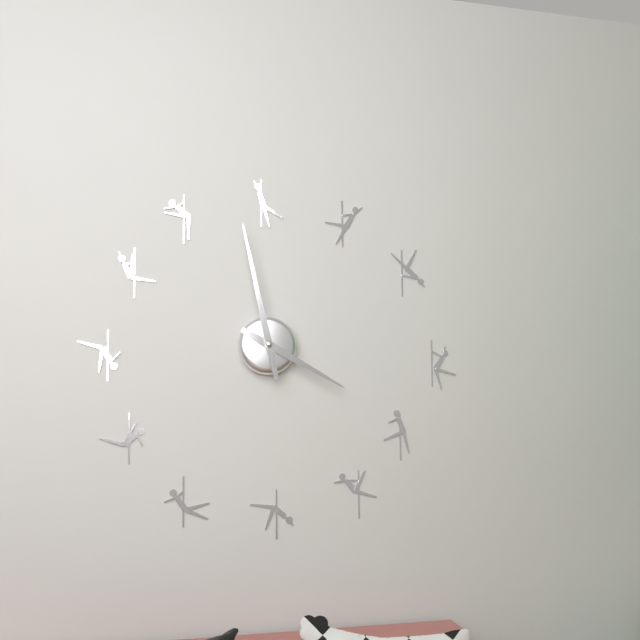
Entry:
3,58
